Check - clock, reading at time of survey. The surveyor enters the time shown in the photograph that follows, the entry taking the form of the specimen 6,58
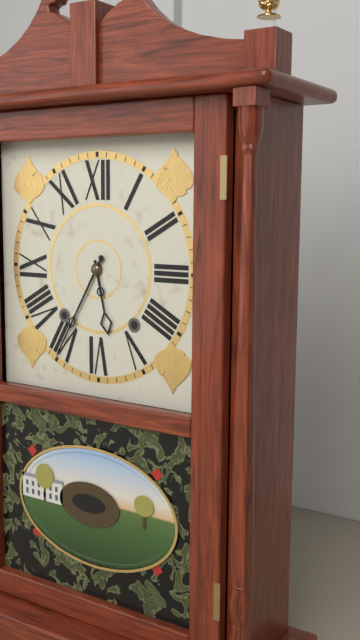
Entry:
5,35
